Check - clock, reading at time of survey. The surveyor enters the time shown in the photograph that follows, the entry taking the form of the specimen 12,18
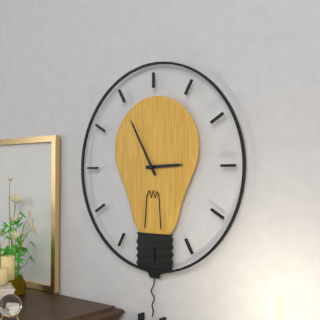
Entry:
2,55
